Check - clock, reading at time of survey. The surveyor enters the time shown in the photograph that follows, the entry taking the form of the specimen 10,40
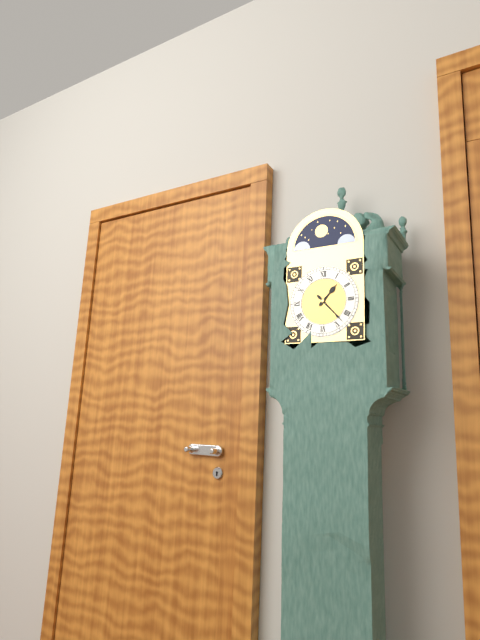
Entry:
1,23
